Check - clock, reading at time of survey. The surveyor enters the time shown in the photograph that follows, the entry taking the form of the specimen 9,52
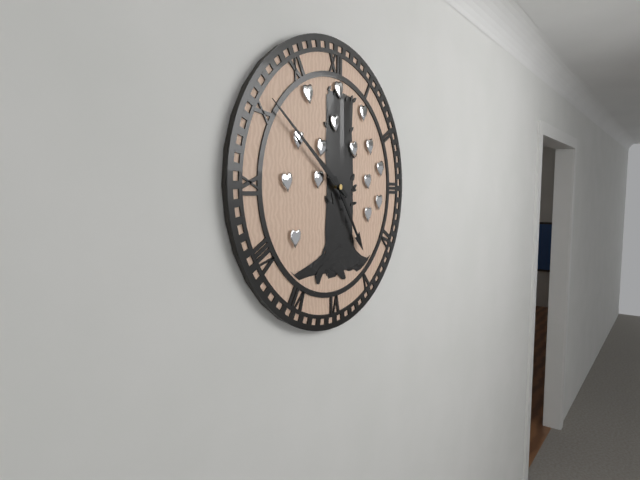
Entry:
4,51
